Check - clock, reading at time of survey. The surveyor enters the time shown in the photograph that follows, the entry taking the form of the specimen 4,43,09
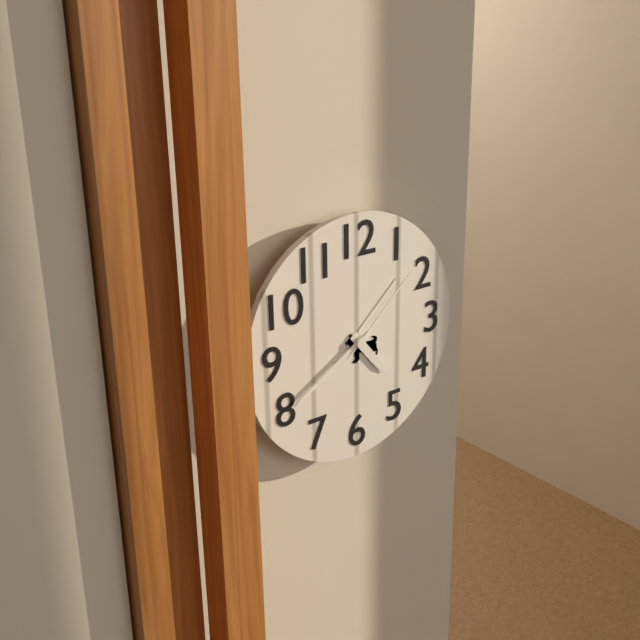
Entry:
4,40,08
